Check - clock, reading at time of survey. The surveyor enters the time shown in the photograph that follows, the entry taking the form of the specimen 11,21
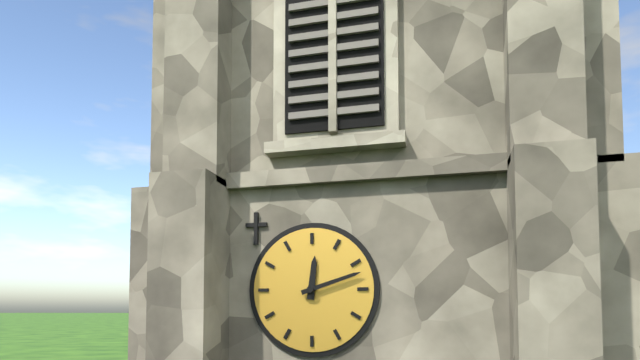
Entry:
12,12
